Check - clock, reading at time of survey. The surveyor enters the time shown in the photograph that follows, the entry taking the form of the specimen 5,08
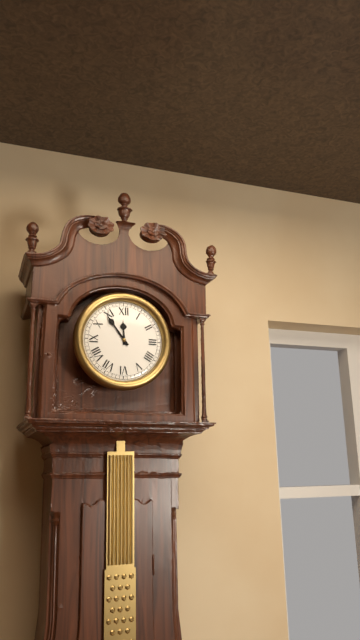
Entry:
11,54
